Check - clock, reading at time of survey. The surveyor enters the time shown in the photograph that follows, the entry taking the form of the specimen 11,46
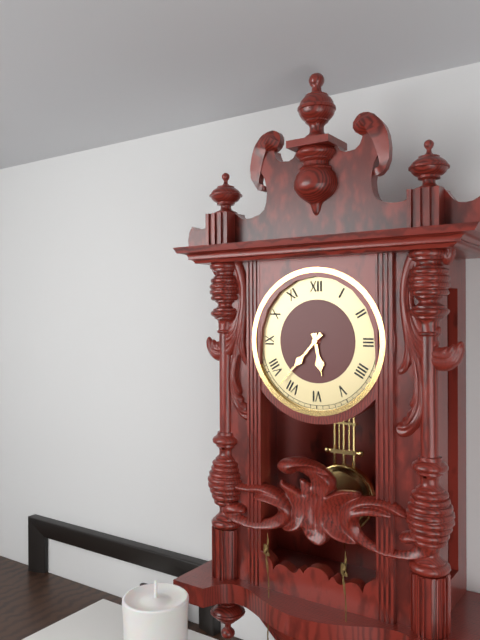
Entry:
5,37
